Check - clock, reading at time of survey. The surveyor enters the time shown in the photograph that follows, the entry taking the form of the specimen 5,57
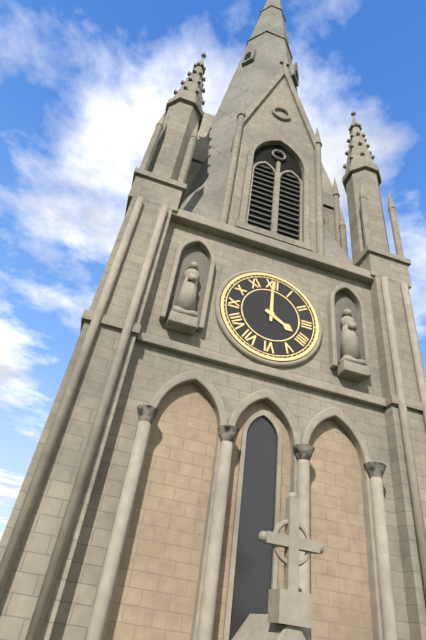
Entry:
4,00
